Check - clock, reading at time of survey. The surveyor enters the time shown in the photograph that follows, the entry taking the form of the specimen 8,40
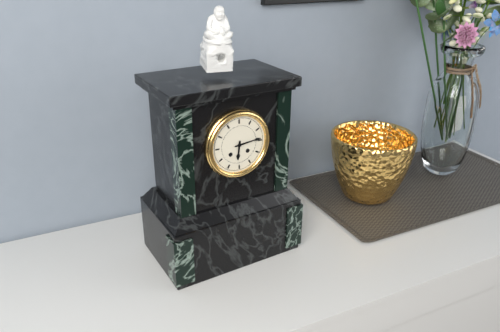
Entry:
6,14
